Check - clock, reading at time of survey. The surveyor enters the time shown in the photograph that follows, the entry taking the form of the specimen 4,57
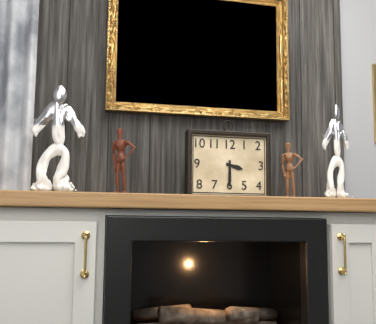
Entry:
3,30
